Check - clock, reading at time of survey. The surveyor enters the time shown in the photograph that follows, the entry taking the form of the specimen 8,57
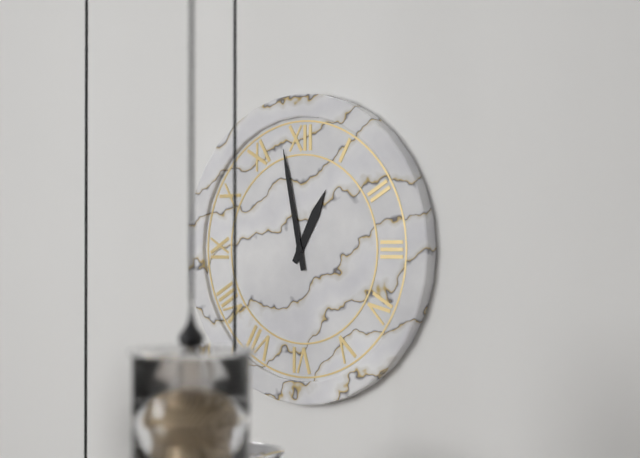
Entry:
12,58
